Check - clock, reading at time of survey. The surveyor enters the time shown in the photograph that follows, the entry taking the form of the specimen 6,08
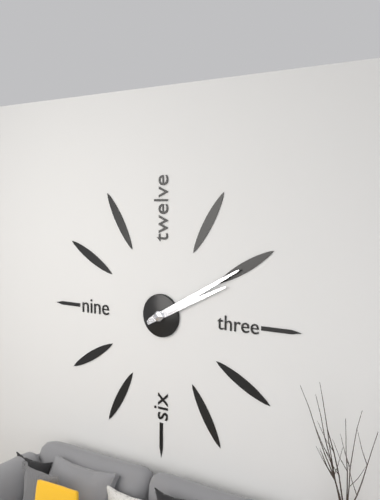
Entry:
2,10
